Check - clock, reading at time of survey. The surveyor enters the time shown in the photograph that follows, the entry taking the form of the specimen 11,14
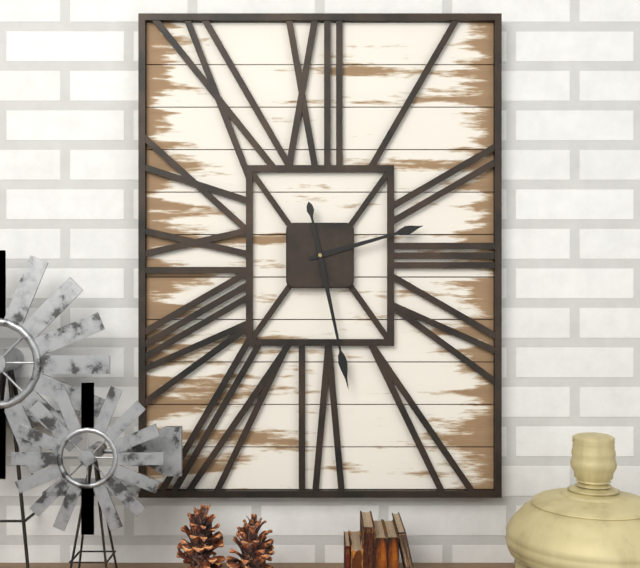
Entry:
2,28
